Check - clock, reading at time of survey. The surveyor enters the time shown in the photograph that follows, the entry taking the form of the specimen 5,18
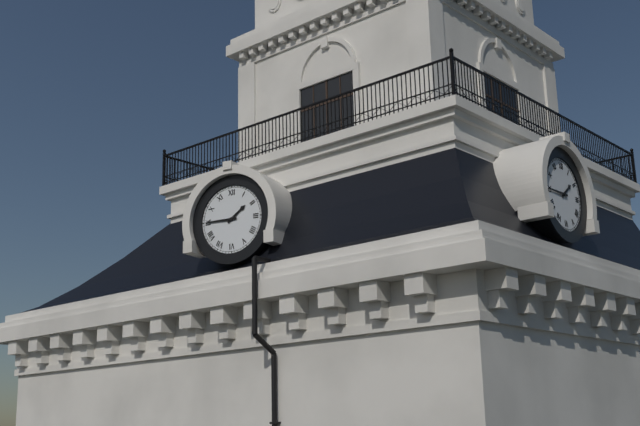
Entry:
1,45
